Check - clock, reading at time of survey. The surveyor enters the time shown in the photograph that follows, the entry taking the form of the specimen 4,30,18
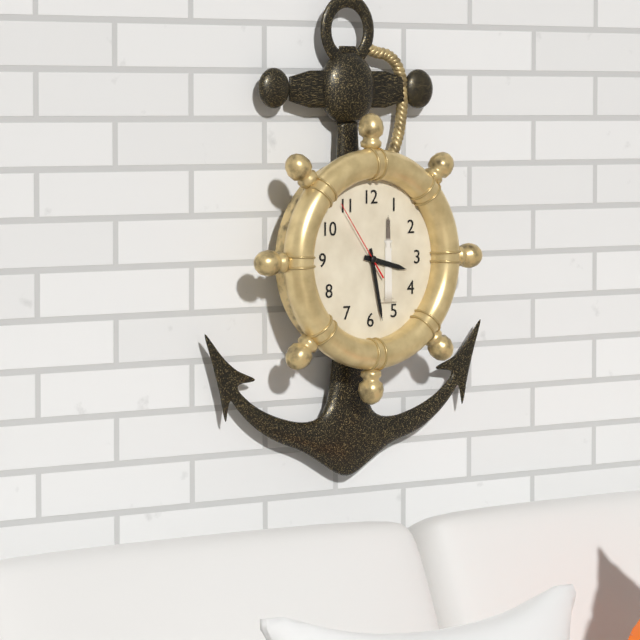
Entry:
3,28,54
